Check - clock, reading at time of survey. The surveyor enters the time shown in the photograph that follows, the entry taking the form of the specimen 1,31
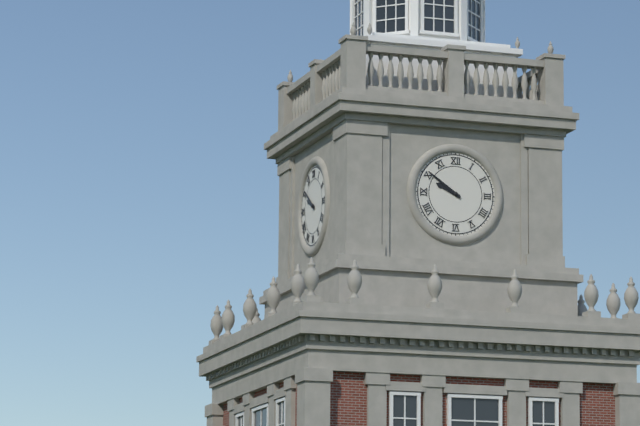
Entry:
9,51
